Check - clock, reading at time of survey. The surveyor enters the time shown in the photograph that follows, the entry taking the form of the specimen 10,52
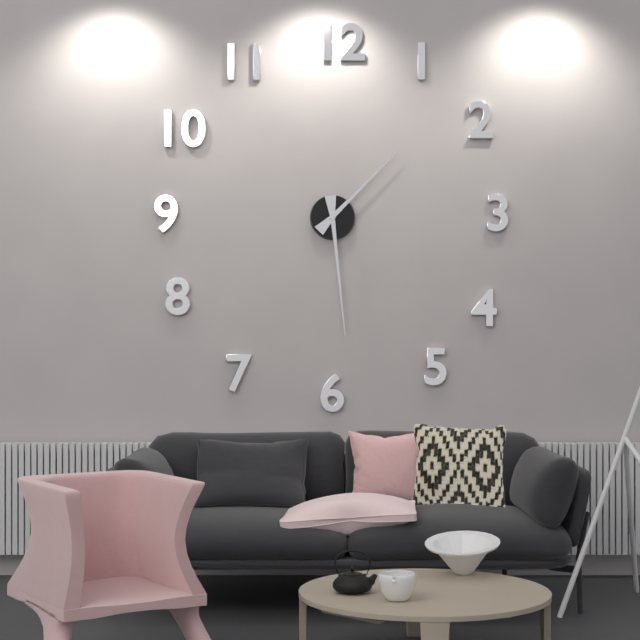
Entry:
1,29
